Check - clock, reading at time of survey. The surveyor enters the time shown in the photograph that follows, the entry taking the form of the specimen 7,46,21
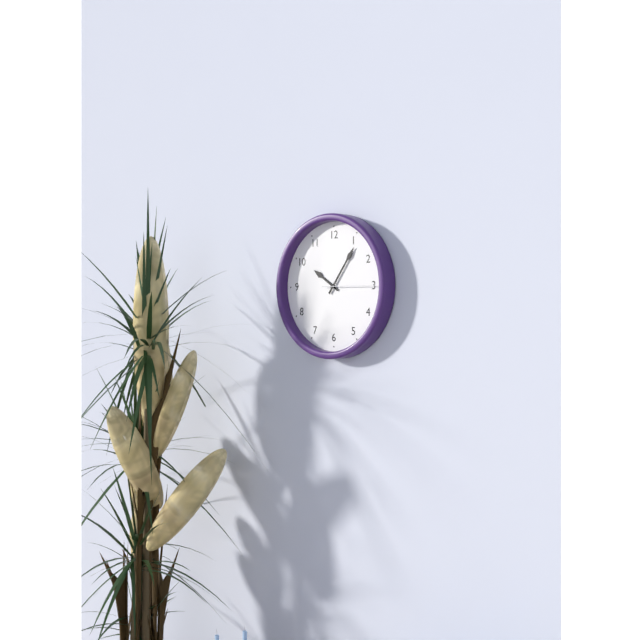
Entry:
10,06,15
